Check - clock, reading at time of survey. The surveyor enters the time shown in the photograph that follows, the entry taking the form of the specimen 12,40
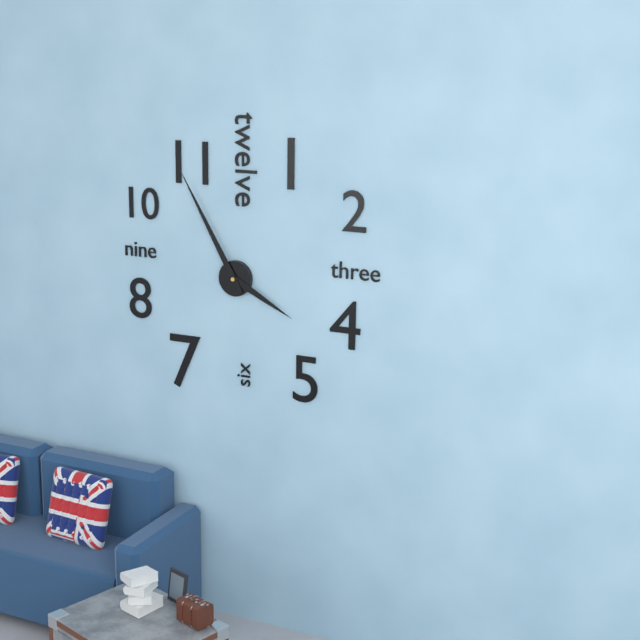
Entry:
3,55
